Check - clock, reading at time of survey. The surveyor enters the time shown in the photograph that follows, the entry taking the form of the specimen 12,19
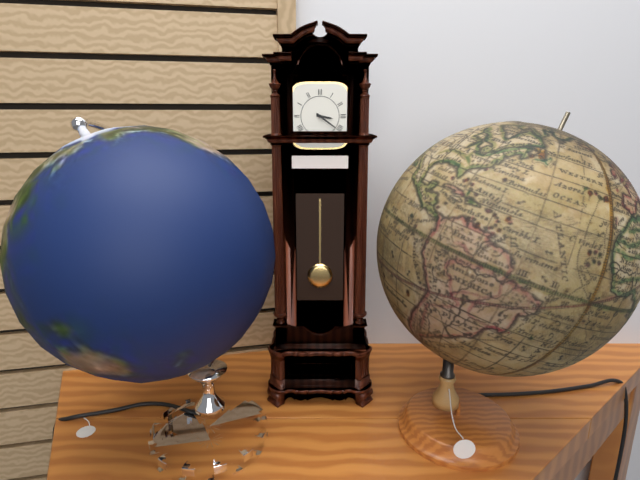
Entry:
3,21
